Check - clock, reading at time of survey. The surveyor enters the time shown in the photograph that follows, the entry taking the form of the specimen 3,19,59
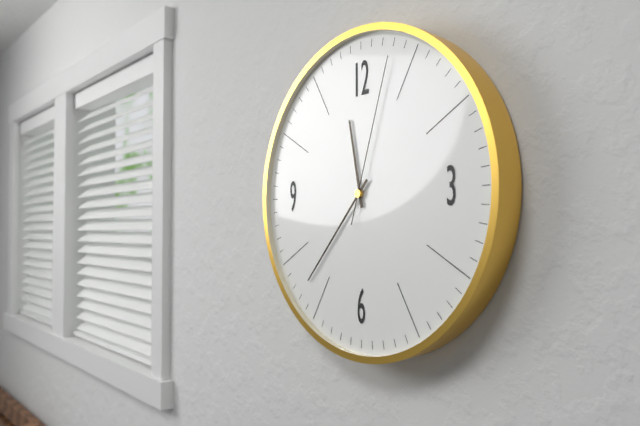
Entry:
11,37,03
